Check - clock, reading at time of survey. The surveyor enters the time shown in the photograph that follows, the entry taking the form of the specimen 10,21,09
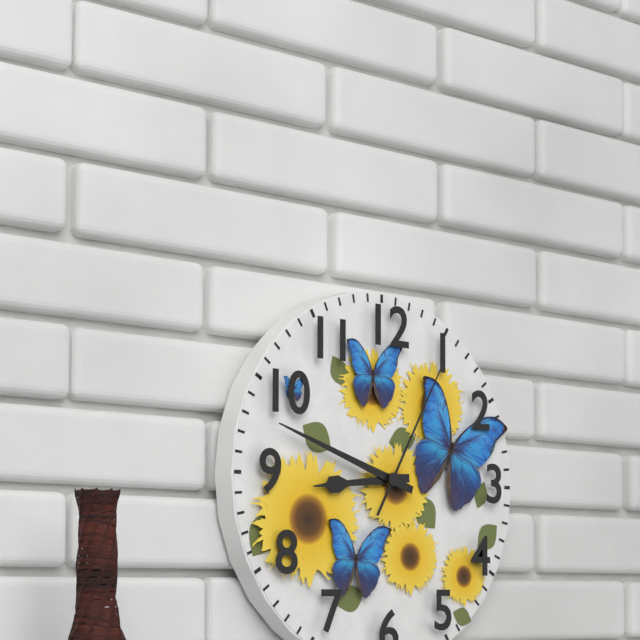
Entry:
8,48,05
